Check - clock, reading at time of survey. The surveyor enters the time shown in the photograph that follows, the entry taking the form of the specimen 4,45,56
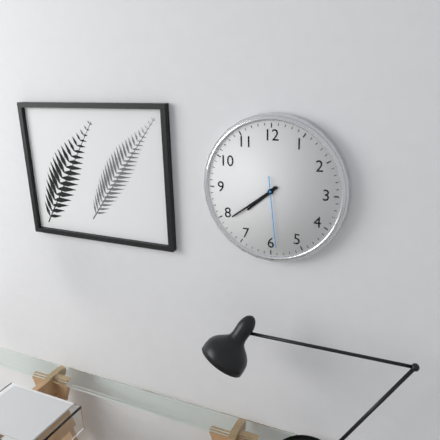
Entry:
7,39,29
